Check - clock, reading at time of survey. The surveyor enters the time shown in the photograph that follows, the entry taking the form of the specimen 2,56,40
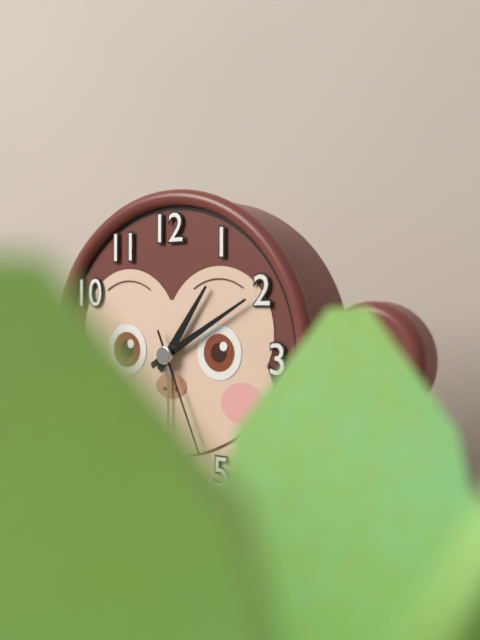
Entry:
1,10,26
